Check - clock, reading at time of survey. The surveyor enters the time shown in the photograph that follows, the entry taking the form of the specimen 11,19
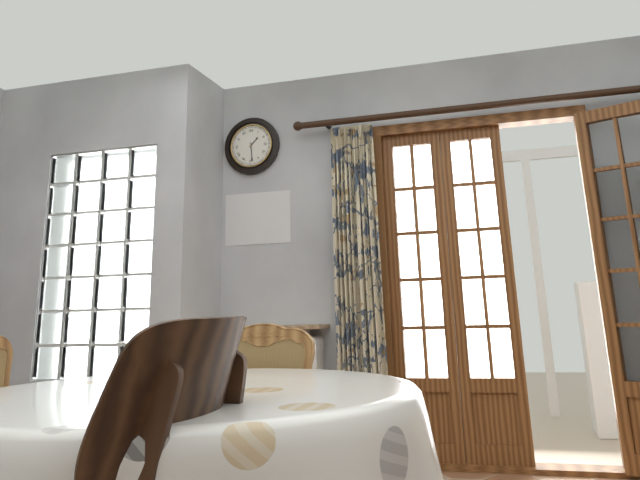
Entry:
1,29
